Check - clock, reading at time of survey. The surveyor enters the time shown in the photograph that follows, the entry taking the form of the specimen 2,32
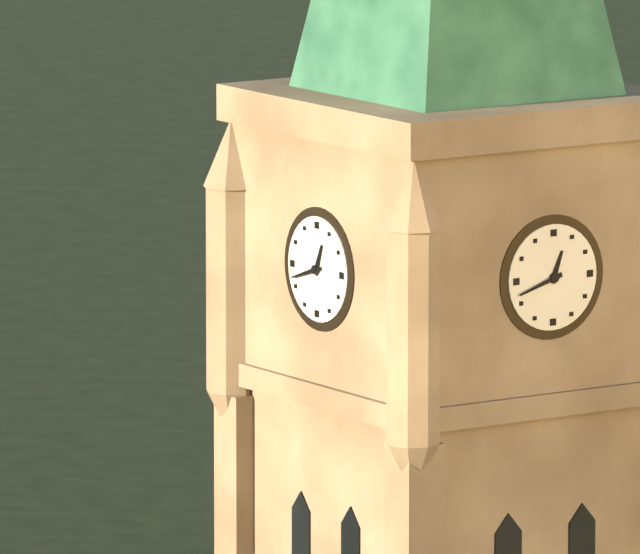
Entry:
12,42
